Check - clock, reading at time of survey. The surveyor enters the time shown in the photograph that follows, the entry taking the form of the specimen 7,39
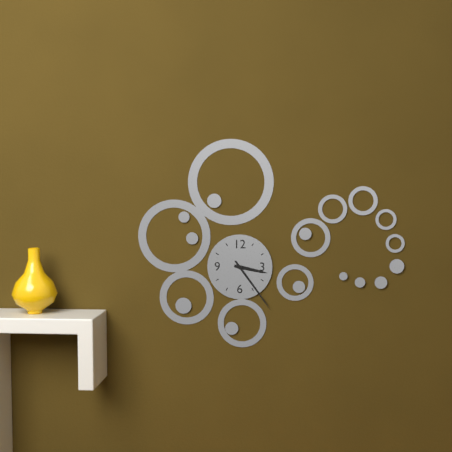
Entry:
3,24
